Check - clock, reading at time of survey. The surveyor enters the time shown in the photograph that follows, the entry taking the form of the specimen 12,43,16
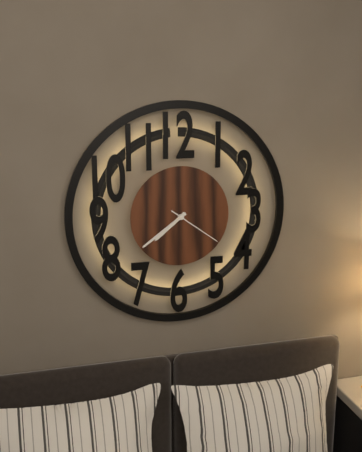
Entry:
7,39,21
